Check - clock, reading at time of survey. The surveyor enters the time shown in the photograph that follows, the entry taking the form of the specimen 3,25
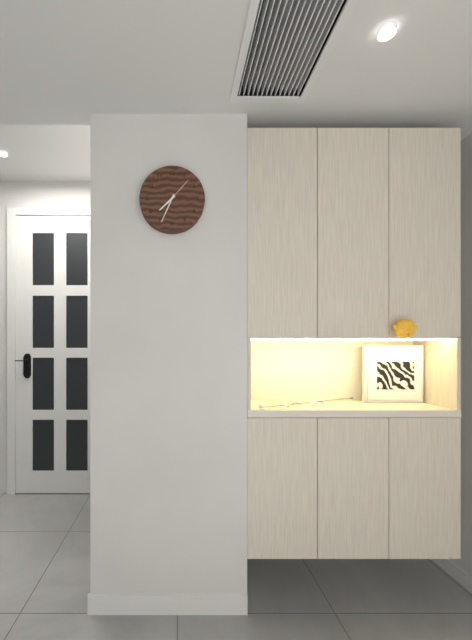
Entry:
7,34
